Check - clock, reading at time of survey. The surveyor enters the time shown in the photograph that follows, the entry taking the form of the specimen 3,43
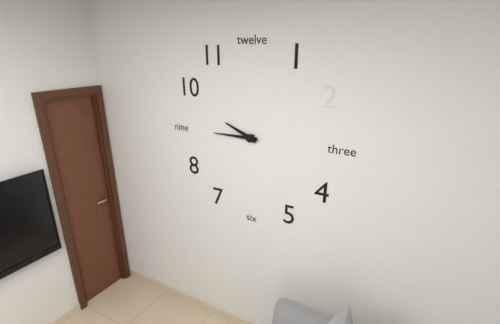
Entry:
9,45
